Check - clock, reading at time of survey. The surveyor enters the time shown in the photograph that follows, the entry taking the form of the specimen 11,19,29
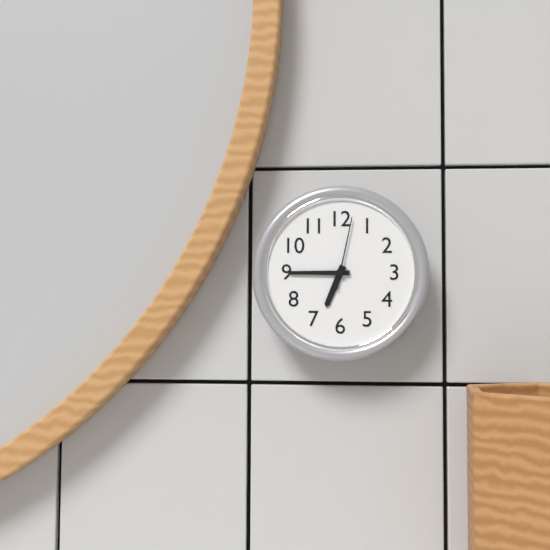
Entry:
6,45,02
